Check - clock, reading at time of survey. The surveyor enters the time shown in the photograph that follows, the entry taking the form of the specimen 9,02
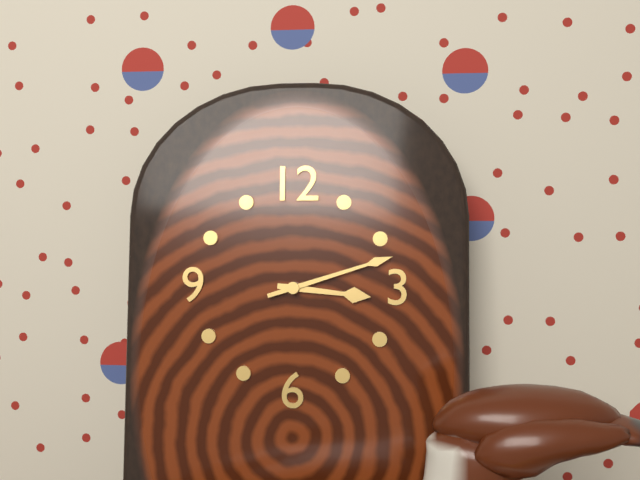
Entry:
3,12
